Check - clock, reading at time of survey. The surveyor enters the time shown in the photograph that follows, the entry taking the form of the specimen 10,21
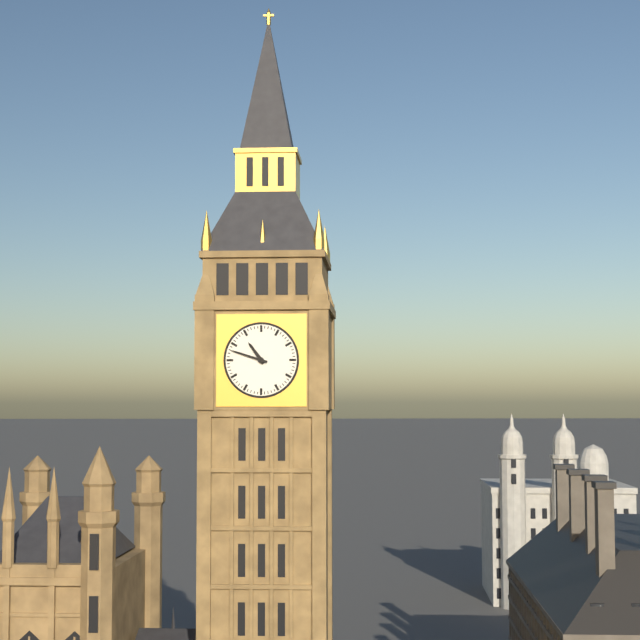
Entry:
10,48
